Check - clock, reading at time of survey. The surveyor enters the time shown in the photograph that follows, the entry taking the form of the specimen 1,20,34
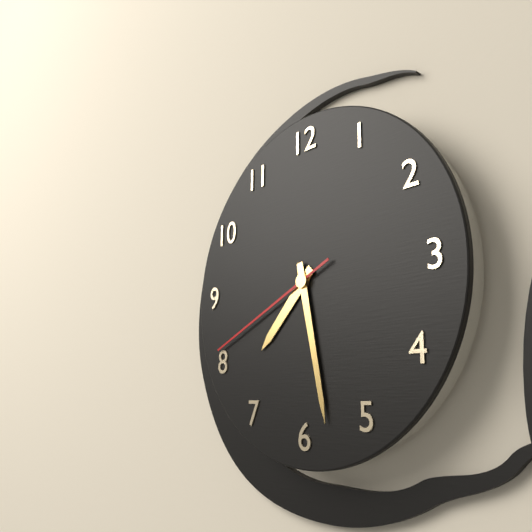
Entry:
7,28,41
